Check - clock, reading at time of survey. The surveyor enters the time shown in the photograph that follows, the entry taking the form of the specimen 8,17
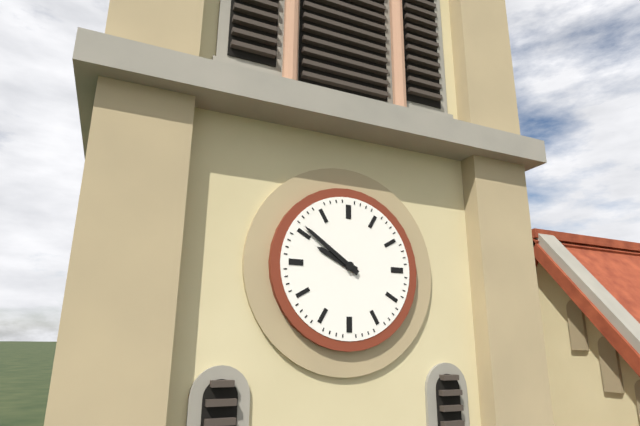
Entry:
9,51
